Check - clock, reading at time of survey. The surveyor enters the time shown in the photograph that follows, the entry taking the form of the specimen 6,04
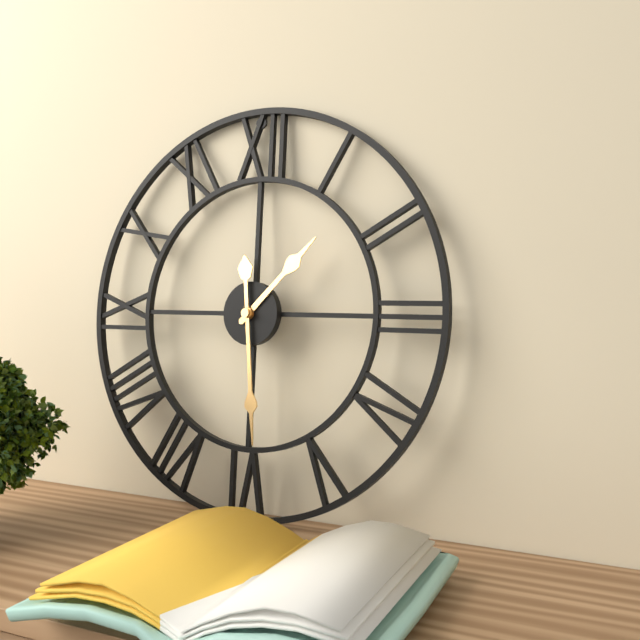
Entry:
1,29
